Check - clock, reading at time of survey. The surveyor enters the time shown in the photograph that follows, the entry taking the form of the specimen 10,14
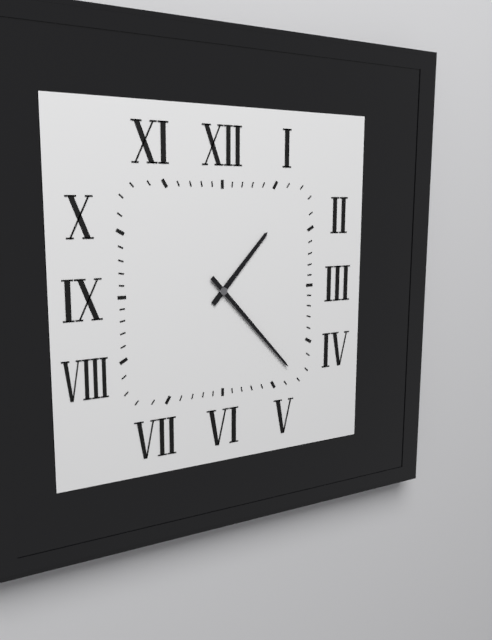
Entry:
1,23
